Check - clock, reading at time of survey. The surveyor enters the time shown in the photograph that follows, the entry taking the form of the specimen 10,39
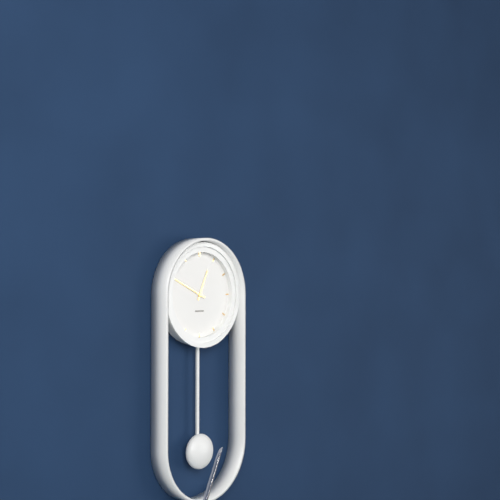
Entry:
12,49
